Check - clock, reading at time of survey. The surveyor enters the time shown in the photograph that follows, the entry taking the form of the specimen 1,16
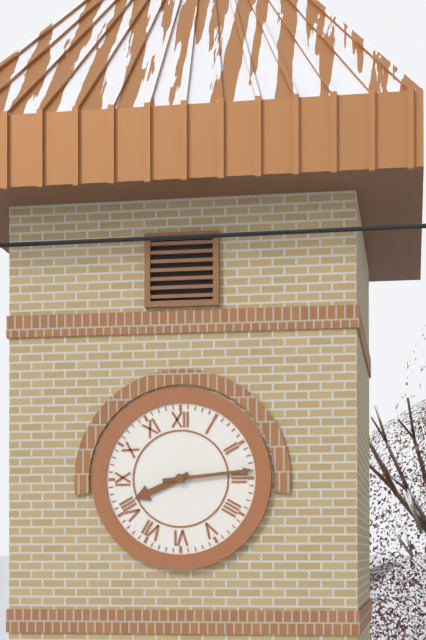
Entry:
8,14
